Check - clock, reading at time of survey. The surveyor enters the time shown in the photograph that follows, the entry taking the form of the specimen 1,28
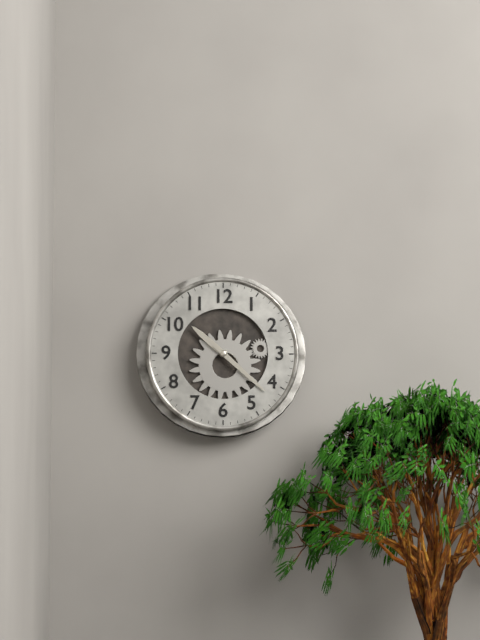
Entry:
10,22
